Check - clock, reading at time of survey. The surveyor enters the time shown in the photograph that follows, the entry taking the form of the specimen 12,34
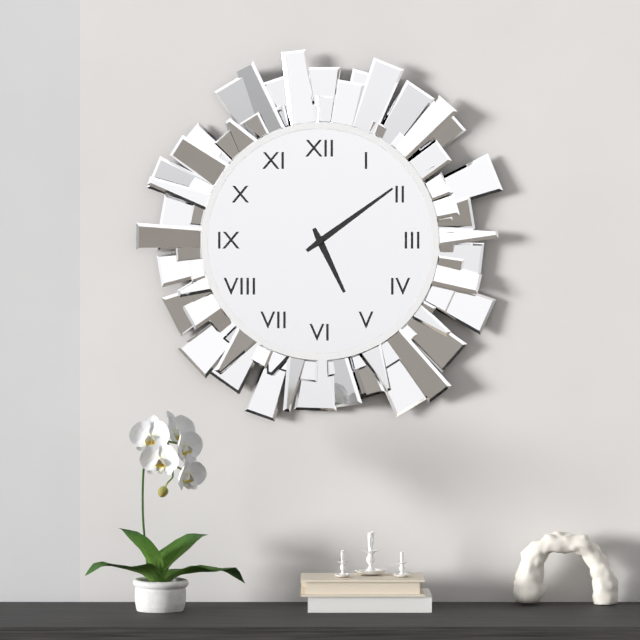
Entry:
5,09
